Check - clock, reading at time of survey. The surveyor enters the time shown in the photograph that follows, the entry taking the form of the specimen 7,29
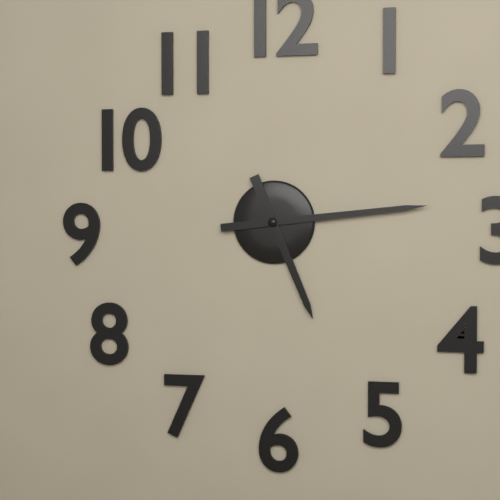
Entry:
5,14
